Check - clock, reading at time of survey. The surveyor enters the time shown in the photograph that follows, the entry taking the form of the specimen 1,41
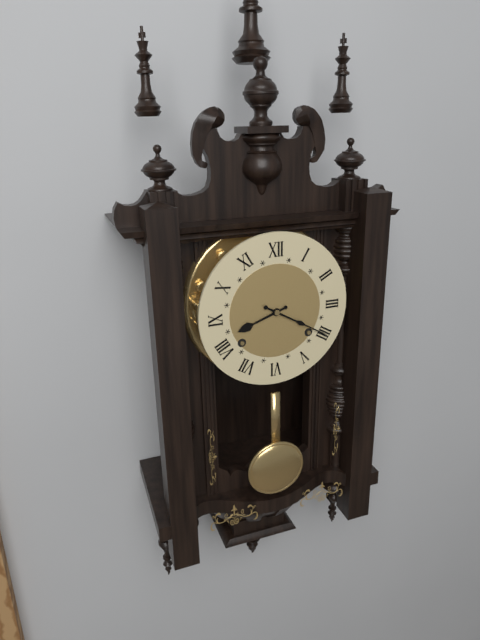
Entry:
8,20
